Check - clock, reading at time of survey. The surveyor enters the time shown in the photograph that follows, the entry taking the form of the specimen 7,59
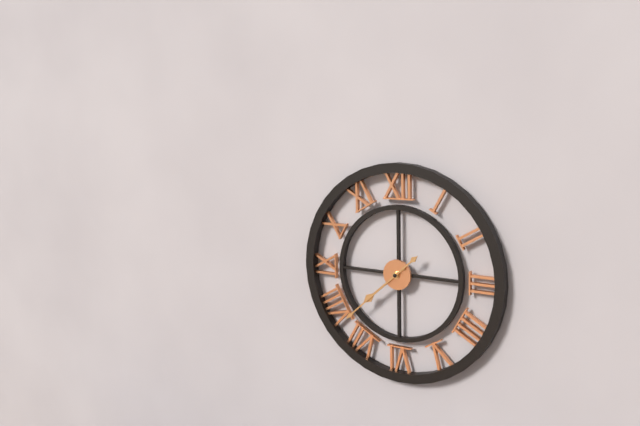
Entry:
7,38
